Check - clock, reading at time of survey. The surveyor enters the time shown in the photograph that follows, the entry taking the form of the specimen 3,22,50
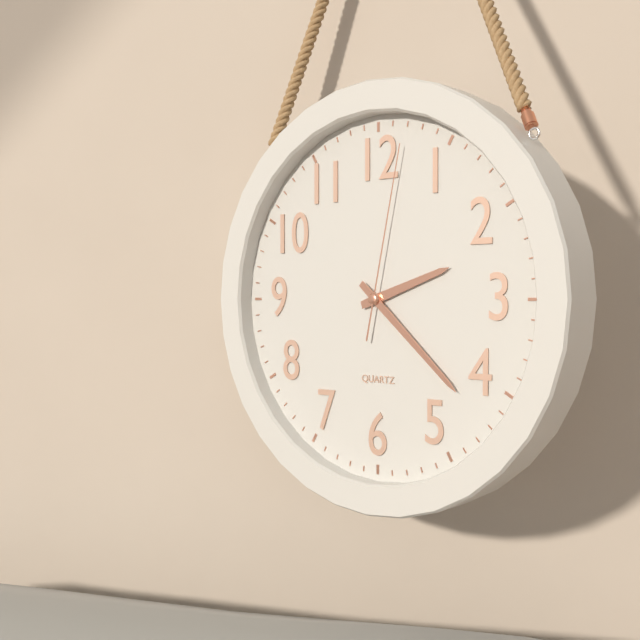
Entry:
2,22,02
